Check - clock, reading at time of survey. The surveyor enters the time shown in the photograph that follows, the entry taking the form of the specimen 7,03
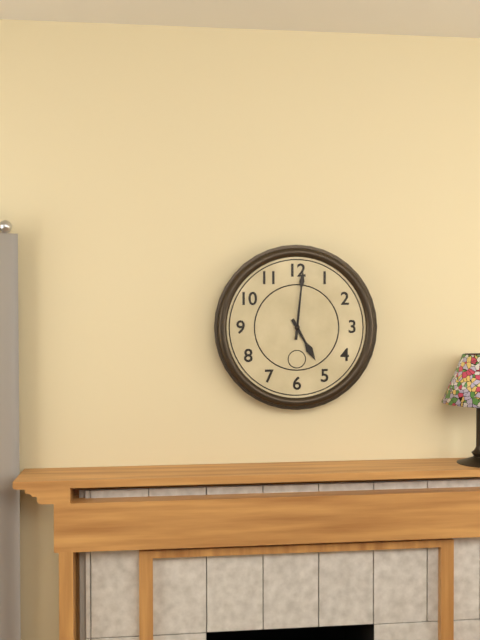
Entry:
5,01
